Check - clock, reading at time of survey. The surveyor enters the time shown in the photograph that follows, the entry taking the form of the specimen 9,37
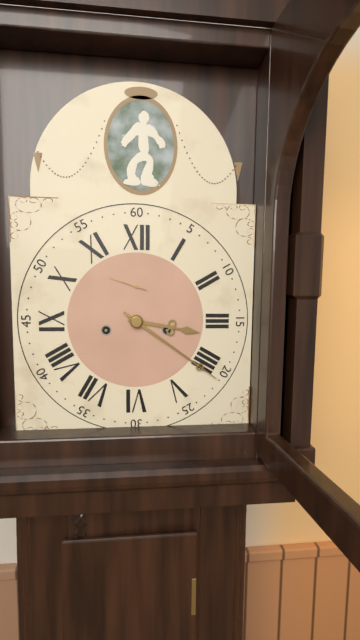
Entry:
3,21
